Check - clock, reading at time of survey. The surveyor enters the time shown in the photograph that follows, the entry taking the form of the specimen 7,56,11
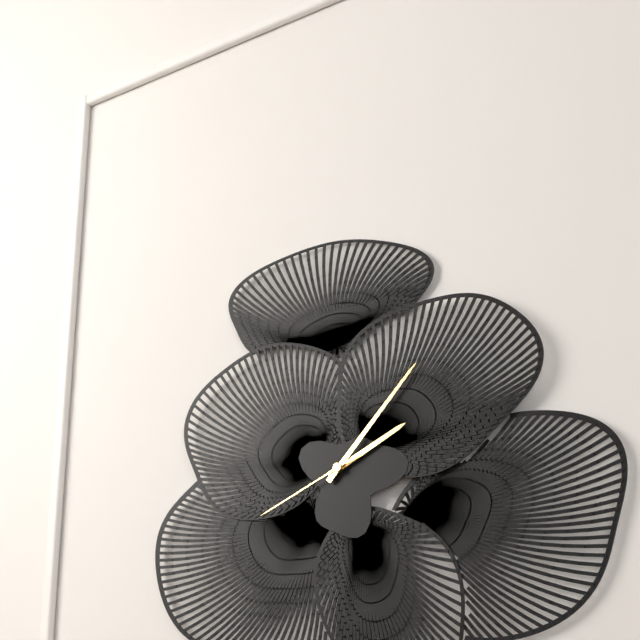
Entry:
2,07,41
